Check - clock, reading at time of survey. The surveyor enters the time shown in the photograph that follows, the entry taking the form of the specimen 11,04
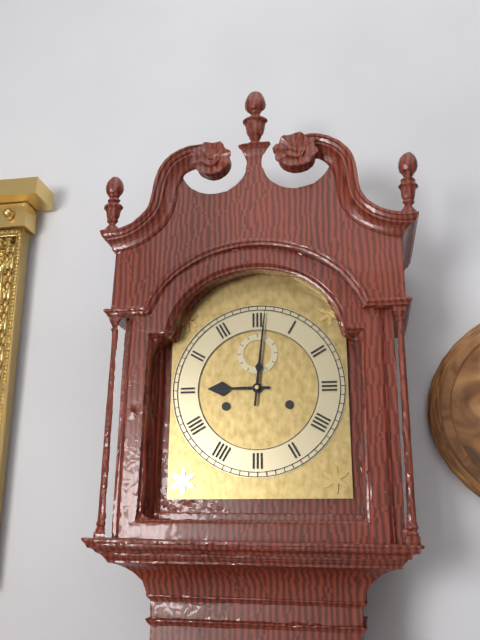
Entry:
9,01
